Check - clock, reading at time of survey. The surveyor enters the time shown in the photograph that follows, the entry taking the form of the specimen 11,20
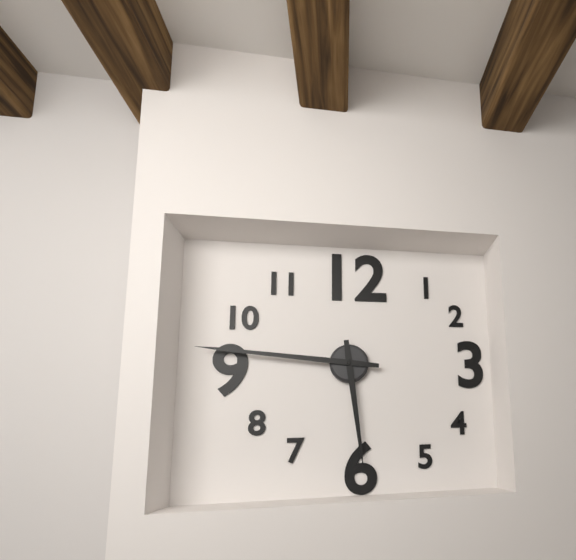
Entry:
5,46
